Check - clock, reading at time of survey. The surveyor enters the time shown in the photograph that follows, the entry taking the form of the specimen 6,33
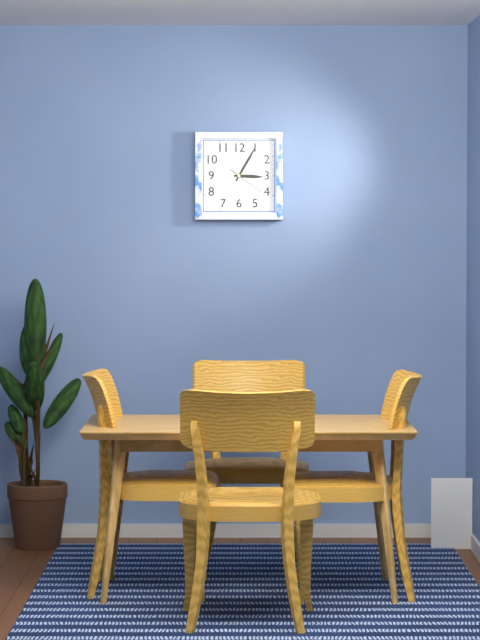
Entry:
3,05
